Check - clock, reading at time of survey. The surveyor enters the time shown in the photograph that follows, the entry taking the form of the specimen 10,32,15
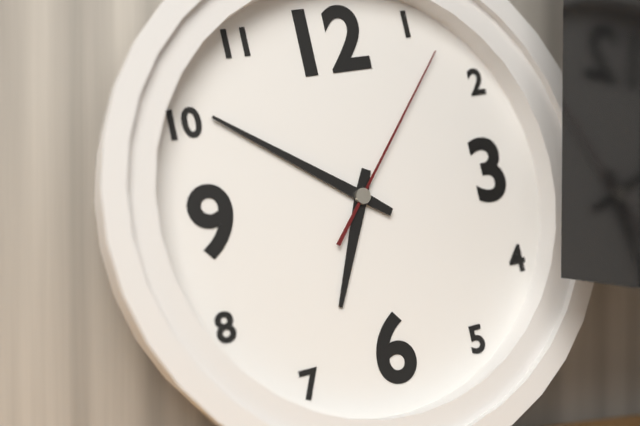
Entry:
6,51,07
